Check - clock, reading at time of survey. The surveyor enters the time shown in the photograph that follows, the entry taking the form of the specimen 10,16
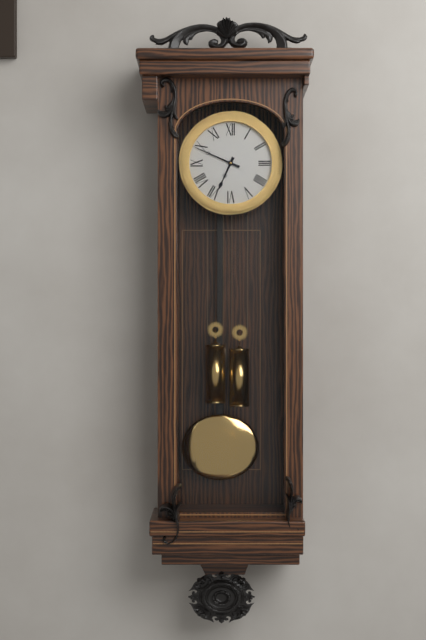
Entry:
6,49
